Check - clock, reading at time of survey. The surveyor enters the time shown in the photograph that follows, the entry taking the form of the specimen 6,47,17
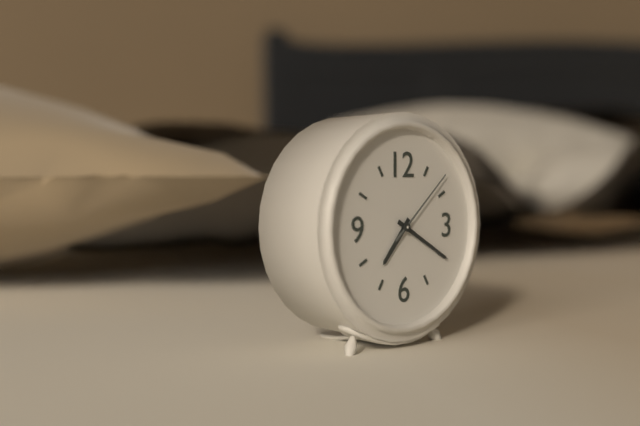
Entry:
7,20,08
